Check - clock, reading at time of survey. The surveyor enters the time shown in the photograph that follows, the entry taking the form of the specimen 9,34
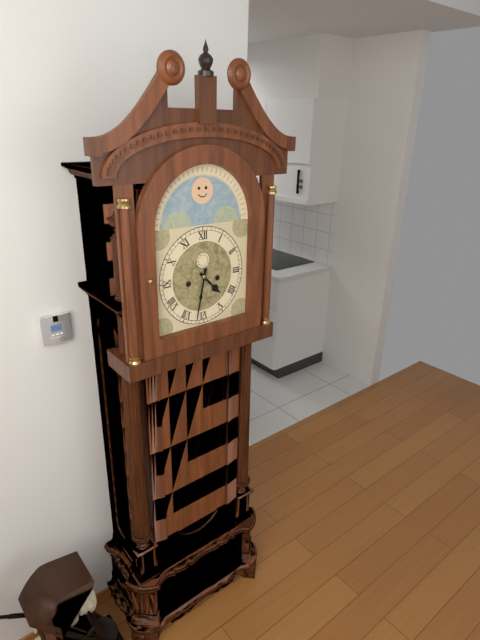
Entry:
4,32
